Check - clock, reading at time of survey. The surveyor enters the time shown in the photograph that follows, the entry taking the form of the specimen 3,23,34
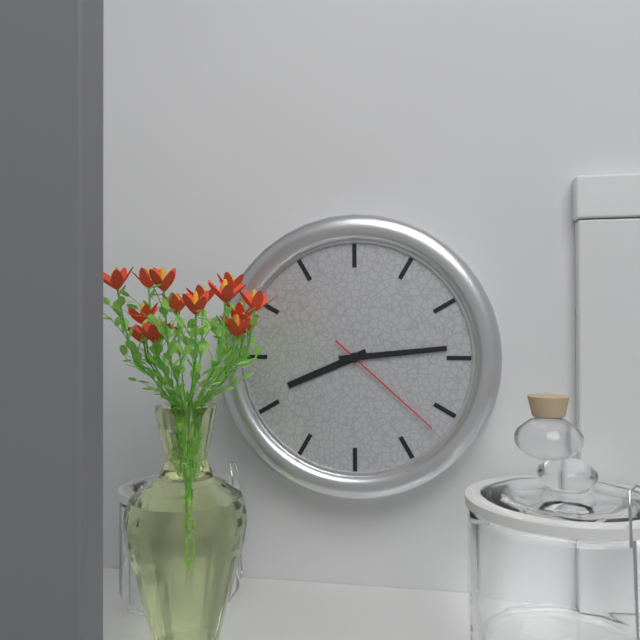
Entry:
8,14,22
